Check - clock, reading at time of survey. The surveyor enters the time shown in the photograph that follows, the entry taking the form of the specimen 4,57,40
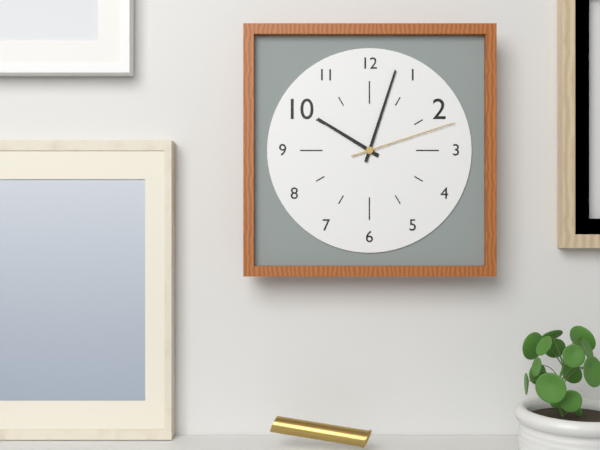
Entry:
10,03,12
